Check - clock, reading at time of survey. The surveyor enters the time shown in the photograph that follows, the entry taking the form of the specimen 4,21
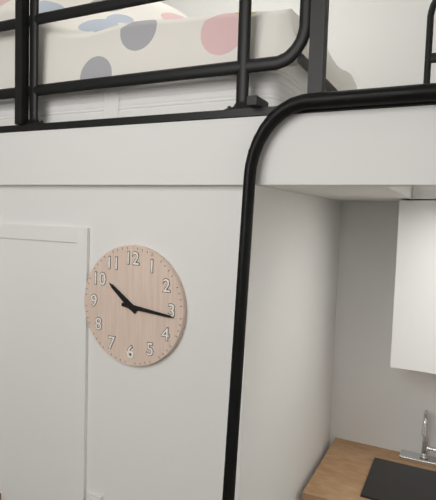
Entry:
10,16
